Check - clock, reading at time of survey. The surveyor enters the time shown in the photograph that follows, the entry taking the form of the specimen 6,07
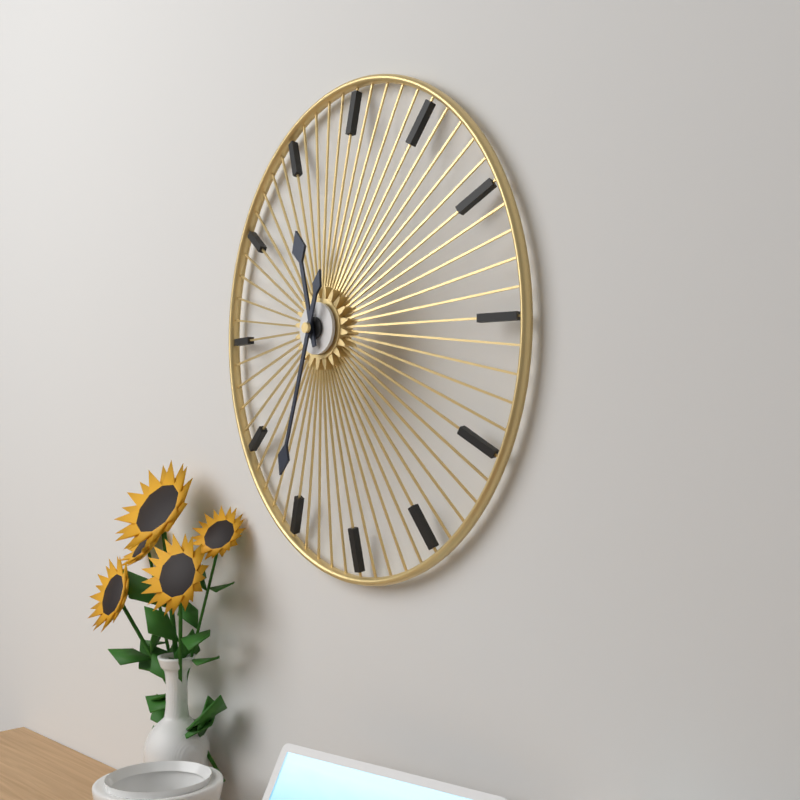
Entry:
11,33
